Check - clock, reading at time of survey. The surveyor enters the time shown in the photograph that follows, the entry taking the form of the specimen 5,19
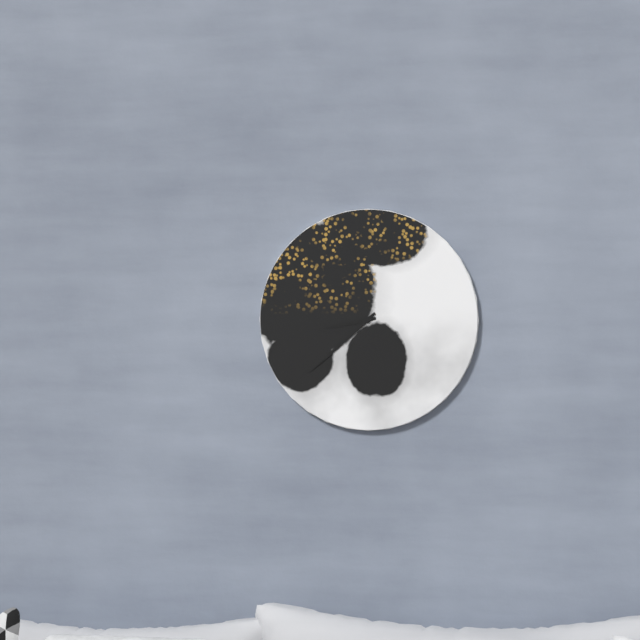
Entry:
8,38
